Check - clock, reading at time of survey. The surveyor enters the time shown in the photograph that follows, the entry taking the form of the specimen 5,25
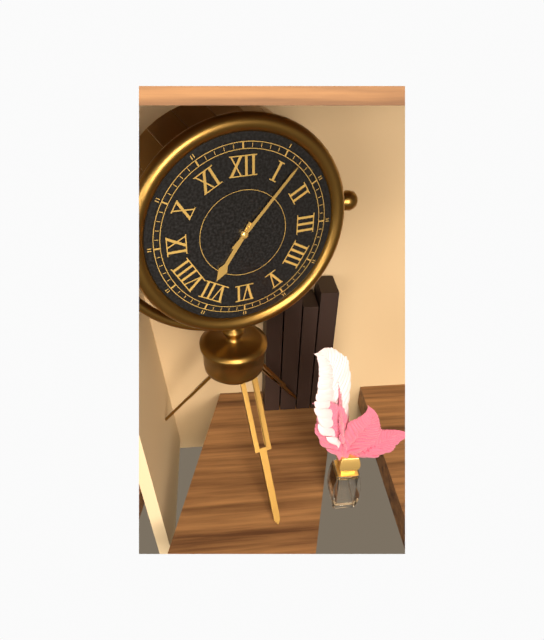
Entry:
7,07
